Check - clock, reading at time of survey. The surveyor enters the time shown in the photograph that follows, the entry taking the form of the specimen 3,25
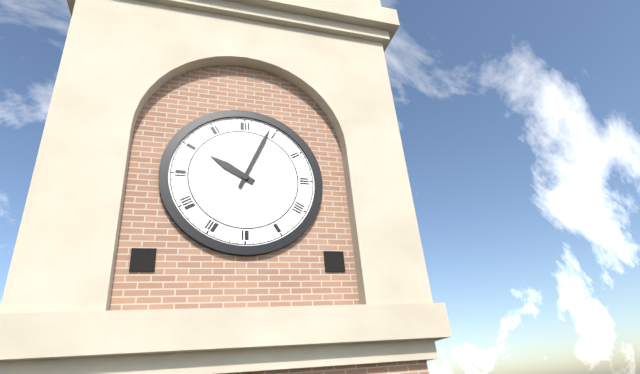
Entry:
10,04
